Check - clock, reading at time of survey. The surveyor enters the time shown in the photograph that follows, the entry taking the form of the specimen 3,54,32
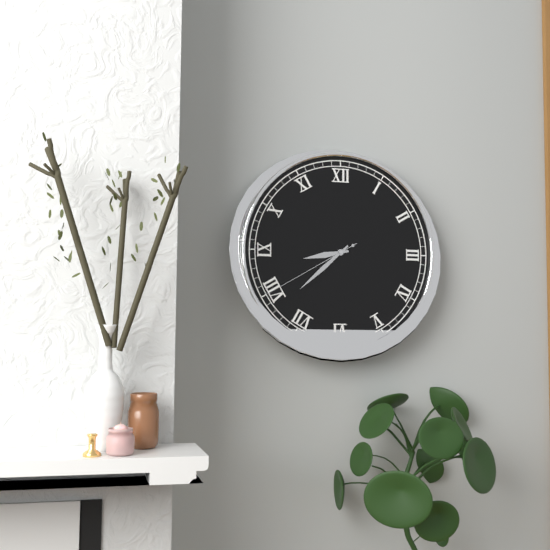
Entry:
8,38,40
